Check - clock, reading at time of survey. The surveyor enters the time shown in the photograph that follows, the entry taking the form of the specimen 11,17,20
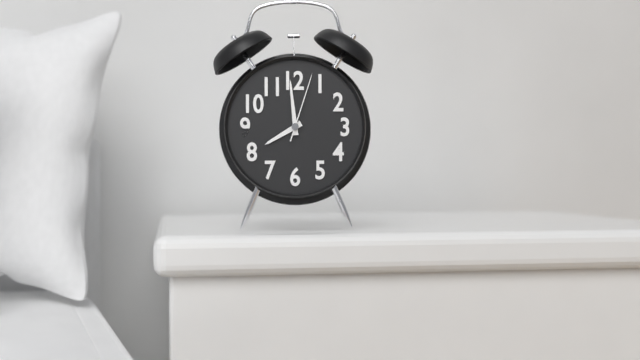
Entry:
7,59,03
